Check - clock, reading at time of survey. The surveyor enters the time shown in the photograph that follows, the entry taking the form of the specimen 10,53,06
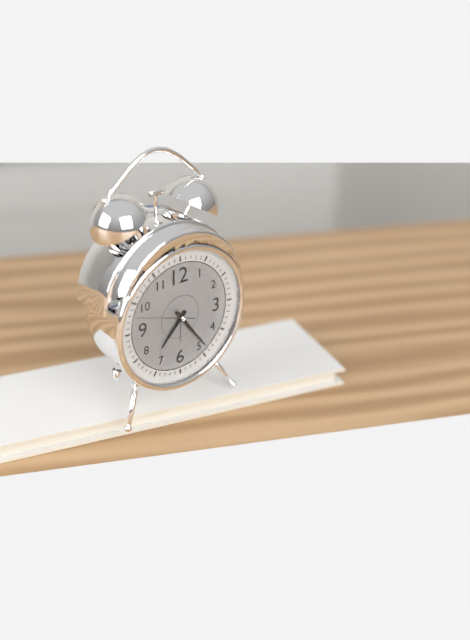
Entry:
7,24,48
